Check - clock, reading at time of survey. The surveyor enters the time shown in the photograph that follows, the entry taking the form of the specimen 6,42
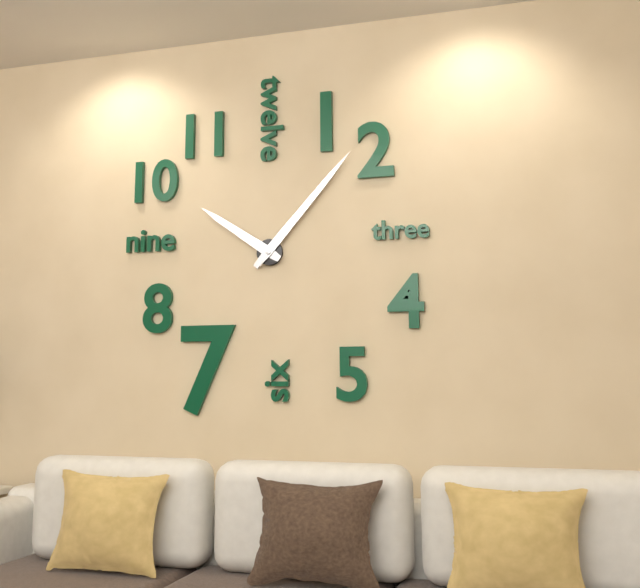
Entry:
10,07
